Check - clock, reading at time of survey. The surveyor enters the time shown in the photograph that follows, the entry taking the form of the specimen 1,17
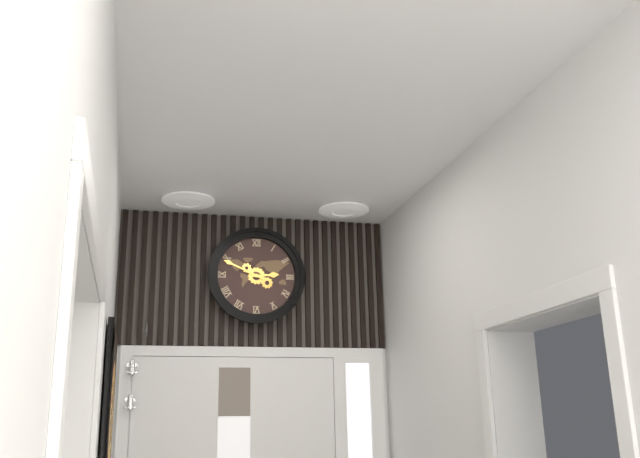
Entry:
2,49
